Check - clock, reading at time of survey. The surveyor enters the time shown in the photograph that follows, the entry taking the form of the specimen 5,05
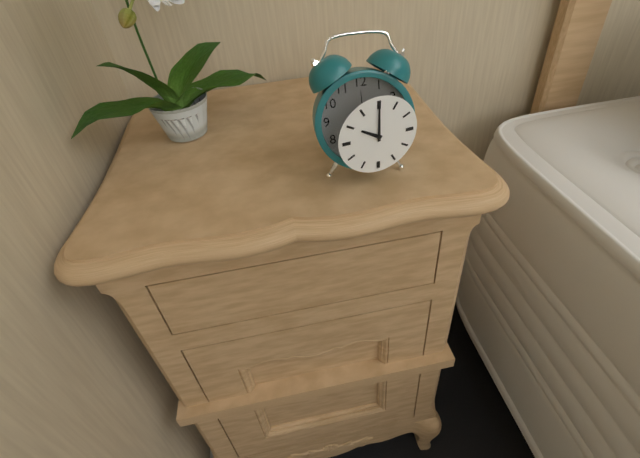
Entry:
10,00
